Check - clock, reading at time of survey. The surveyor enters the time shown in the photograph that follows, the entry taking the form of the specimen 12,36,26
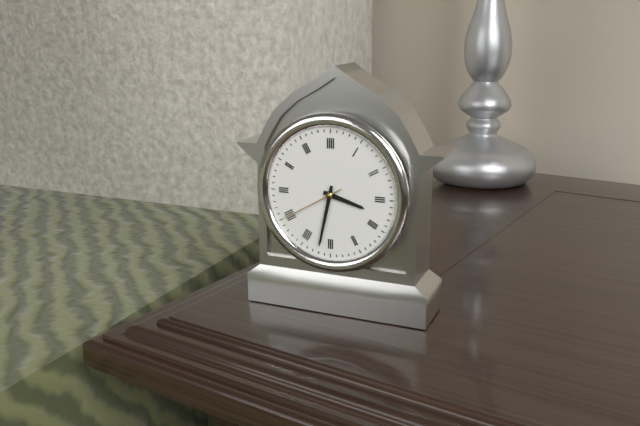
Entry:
3,32,40
